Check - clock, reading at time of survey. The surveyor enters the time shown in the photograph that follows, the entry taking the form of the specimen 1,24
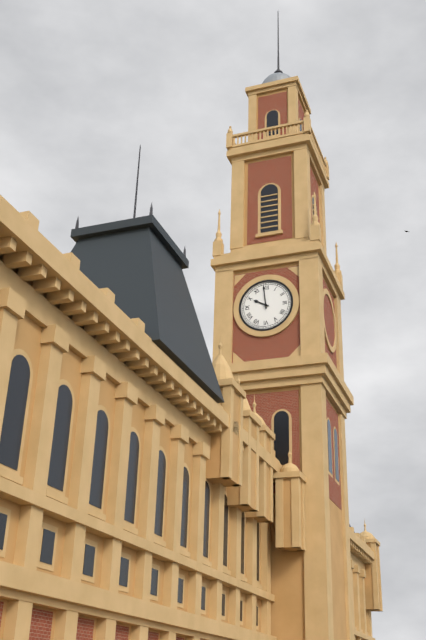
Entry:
9,59
